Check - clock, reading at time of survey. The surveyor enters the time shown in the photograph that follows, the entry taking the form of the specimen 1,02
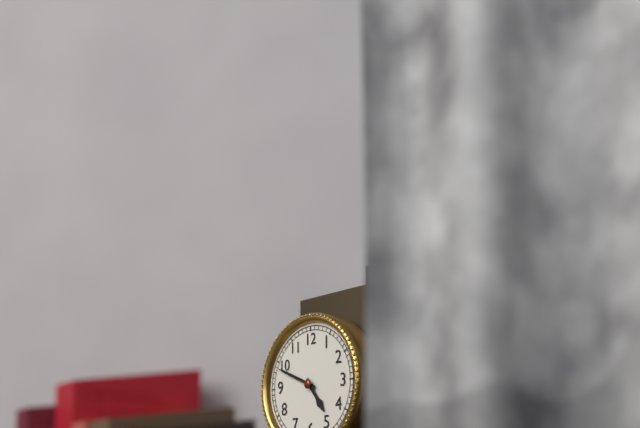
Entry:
4,49
